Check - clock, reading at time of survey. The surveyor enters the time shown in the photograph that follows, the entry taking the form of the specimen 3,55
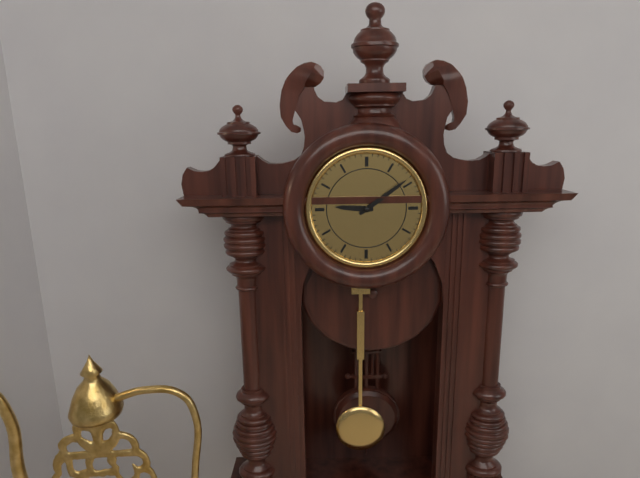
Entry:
9,09
